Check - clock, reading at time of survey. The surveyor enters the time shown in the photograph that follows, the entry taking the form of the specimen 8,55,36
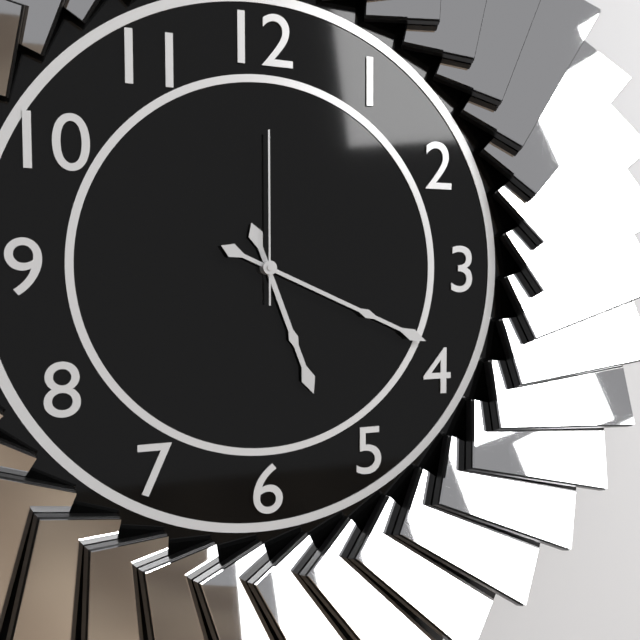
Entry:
5,19,00
